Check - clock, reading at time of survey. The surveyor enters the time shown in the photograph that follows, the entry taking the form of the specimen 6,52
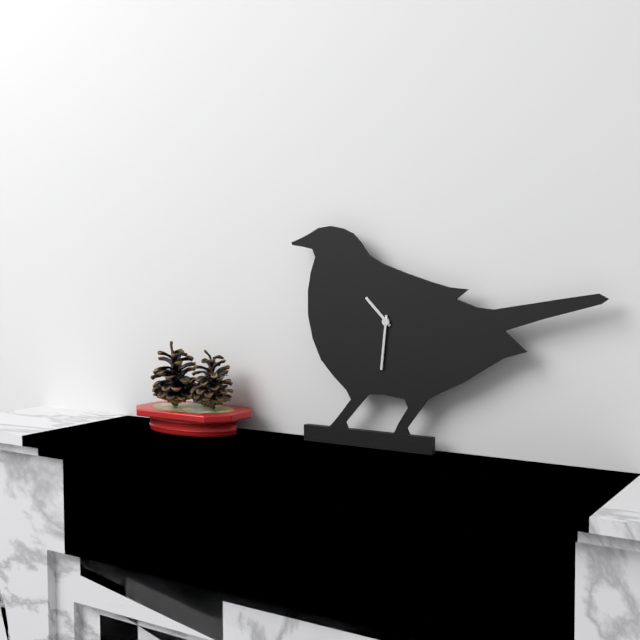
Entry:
10,31
